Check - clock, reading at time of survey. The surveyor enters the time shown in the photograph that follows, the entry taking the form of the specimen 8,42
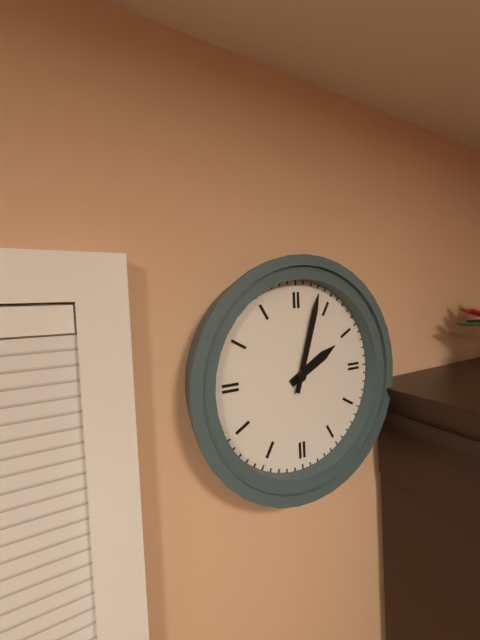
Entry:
2,03
